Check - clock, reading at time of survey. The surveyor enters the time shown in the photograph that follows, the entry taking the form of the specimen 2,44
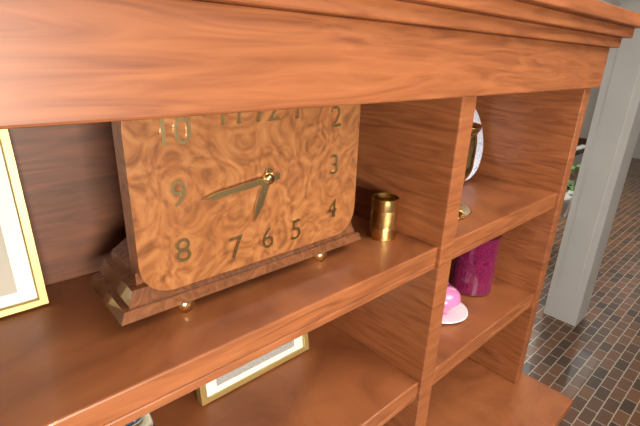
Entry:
6,44
